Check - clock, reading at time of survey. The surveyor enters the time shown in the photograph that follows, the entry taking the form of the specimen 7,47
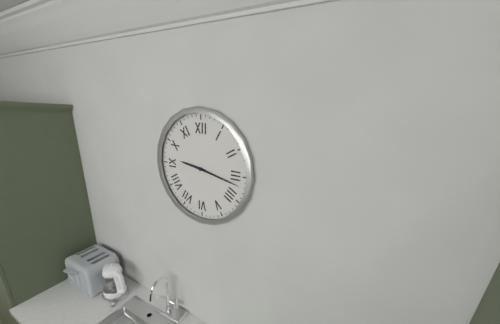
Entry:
9,17
